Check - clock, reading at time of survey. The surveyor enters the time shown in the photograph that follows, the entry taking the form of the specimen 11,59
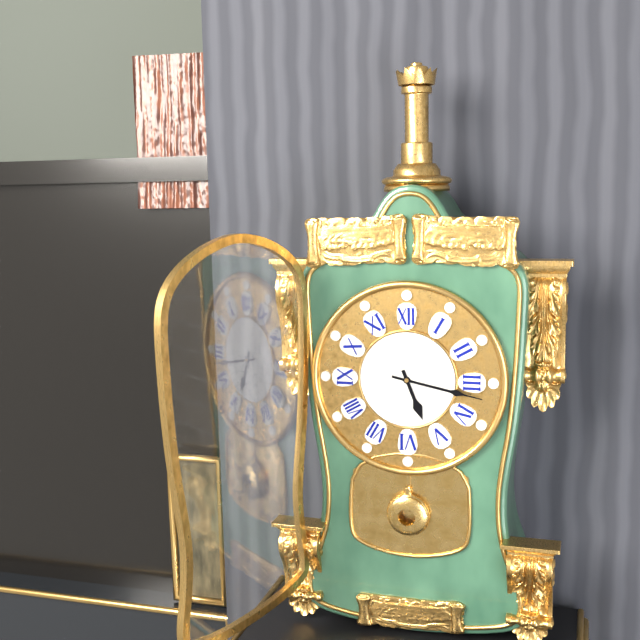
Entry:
5,17
